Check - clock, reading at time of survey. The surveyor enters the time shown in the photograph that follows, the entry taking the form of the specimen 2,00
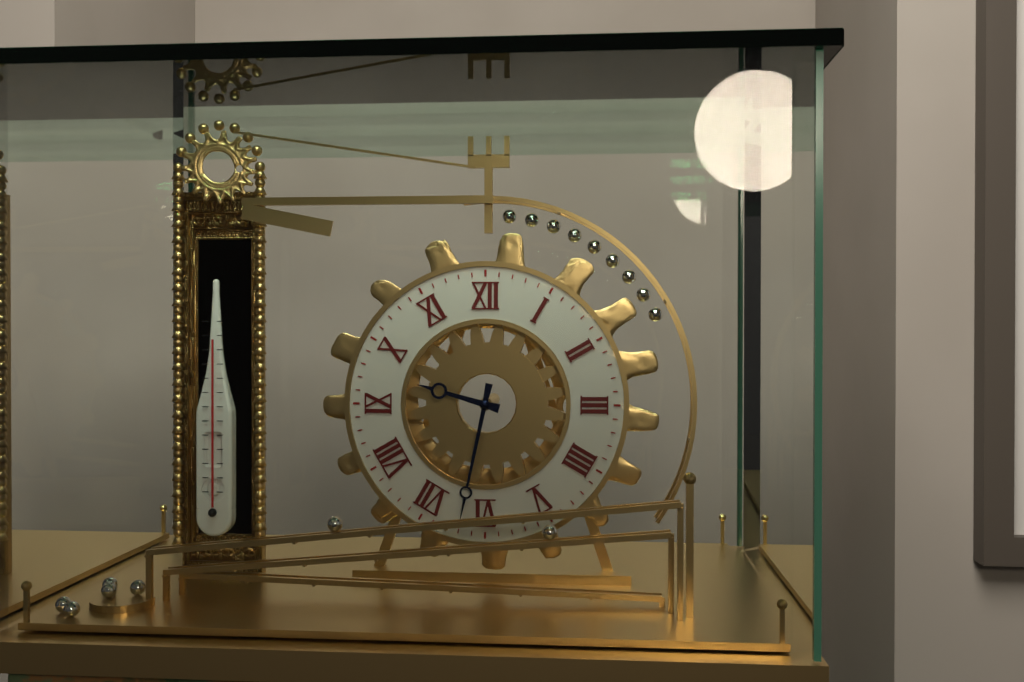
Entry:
9,32
